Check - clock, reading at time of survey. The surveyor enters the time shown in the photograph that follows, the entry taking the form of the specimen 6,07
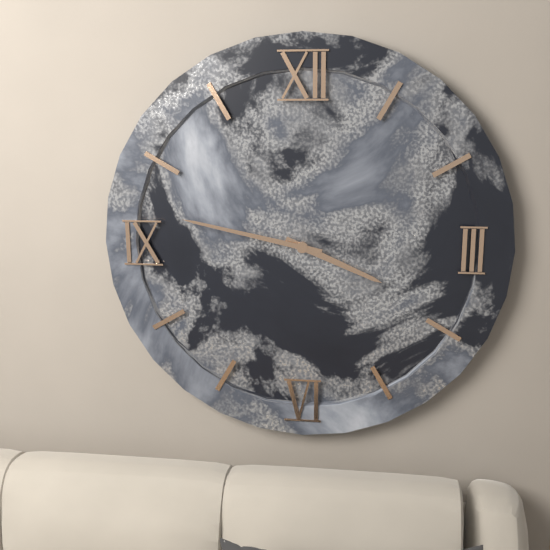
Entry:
3,47
